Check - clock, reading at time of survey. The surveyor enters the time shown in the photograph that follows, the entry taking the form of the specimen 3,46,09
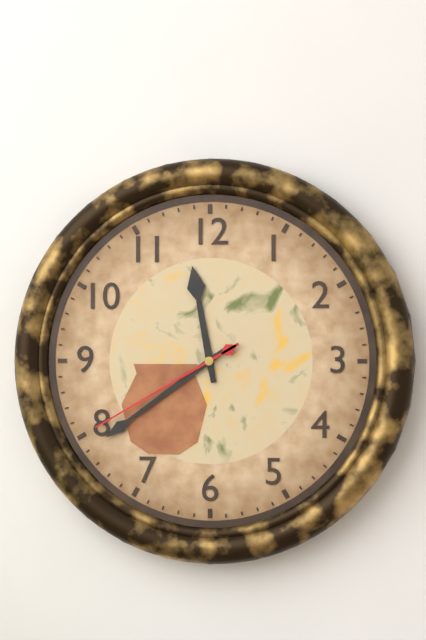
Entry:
11,39,40
